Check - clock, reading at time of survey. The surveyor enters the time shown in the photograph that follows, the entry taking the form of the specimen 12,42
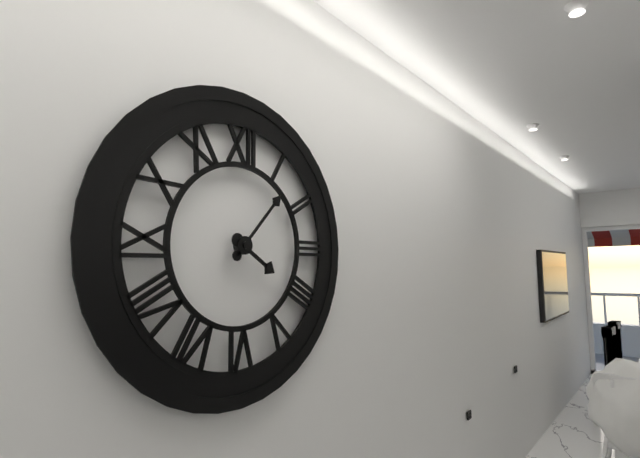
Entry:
4,07
